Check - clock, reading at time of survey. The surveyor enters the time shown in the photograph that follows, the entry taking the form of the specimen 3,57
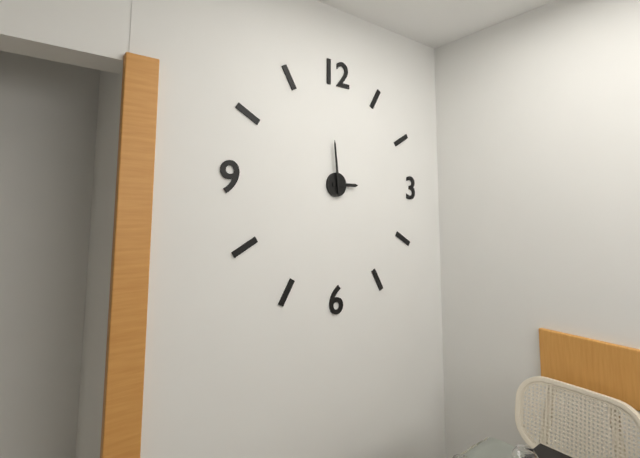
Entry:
2,59
